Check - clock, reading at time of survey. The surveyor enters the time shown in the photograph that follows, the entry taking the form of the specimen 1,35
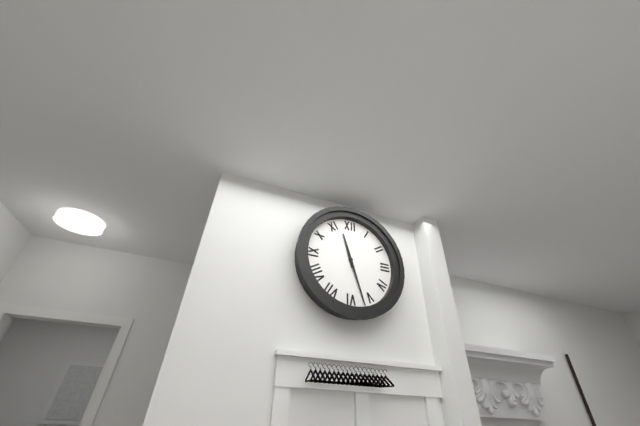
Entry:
11,27
